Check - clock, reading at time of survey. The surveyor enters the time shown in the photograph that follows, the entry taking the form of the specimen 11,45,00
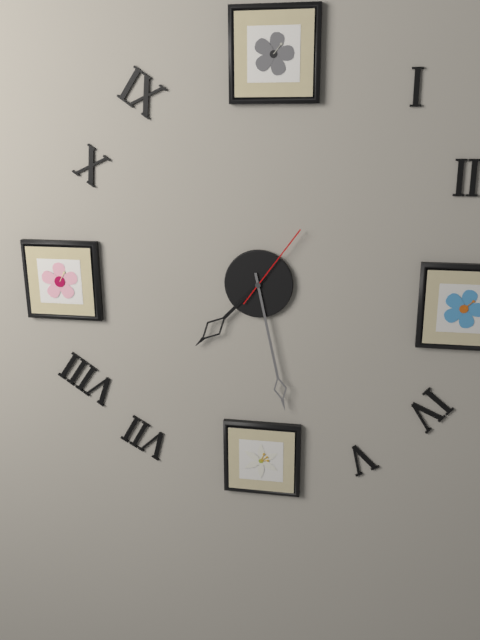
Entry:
7,28,06
